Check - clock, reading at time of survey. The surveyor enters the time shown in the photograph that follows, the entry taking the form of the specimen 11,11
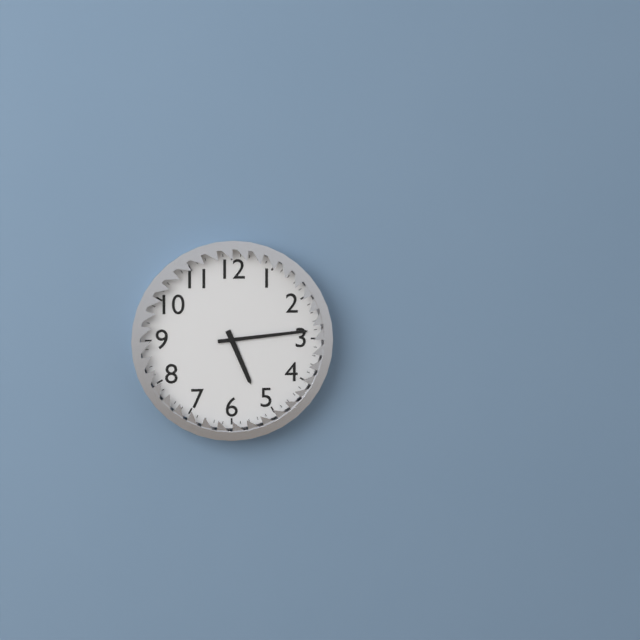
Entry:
5,14
